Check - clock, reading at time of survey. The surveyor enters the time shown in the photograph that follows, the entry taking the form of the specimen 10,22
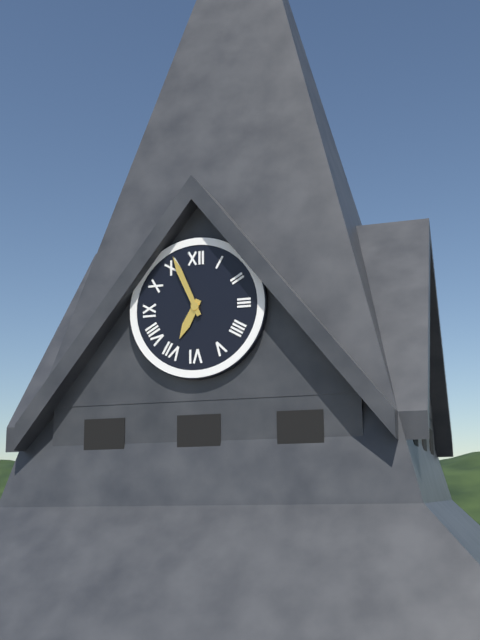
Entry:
6,56
